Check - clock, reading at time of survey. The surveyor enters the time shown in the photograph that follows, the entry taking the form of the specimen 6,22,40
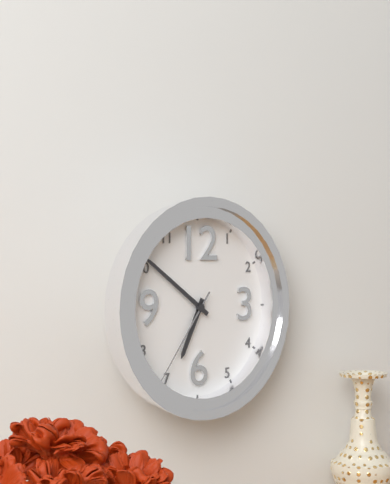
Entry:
6,51,36
